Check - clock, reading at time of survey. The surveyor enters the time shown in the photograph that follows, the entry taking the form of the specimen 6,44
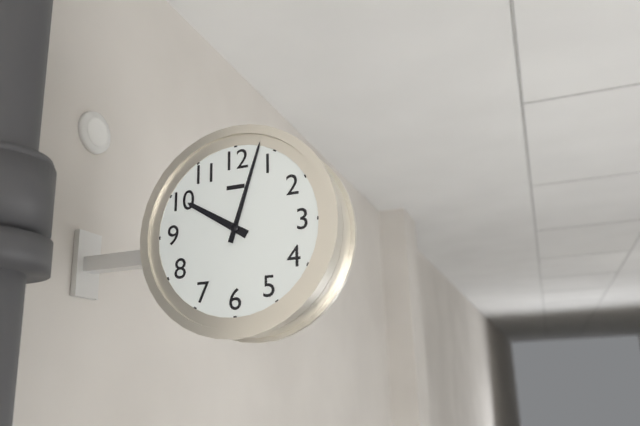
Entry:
10,03
